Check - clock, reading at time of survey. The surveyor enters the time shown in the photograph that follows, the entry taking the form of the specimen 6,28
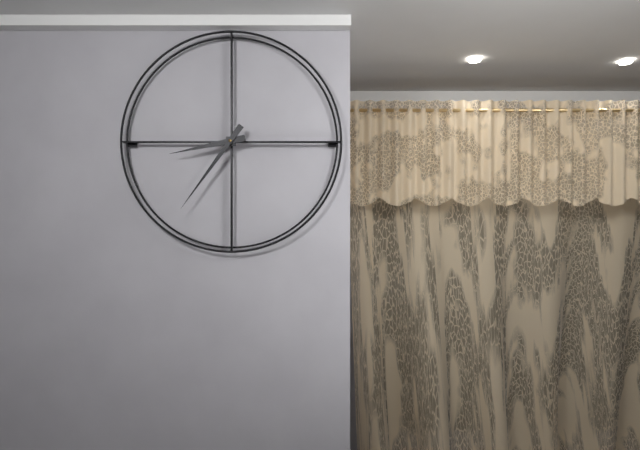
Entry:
8,36
